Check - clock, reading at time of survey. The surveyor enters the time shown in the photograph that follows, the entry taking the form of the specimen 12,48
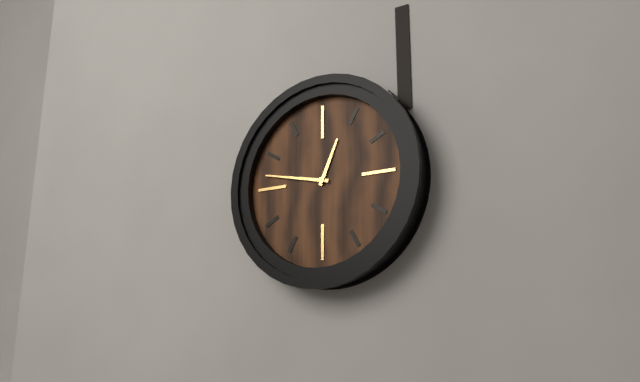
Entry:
12,47
